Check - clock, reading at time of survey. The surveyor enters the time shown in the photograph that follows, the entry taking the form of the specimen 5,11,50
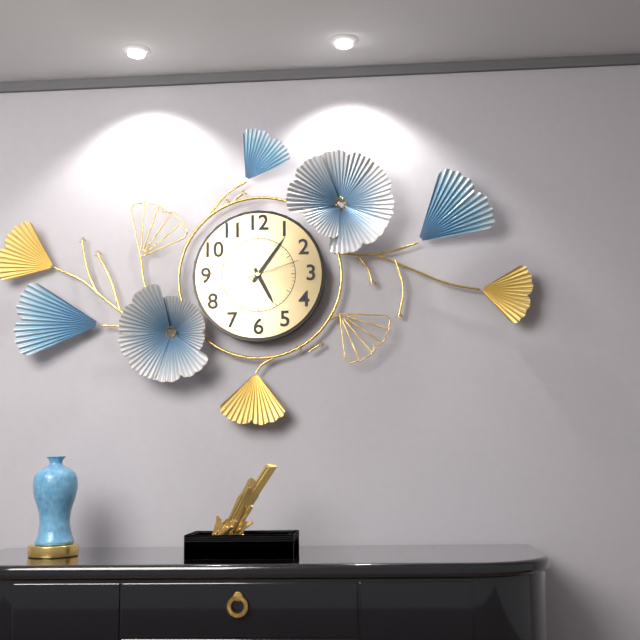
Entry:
5,06,12
